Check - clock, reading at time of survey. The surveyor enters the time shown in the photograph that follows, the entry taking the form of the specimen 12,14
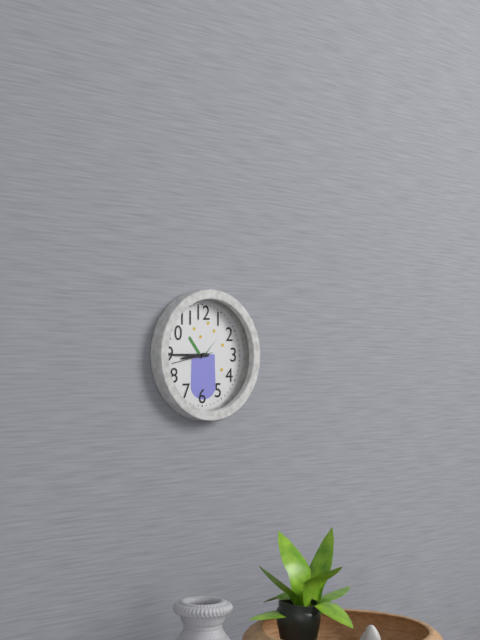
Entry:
8,45
